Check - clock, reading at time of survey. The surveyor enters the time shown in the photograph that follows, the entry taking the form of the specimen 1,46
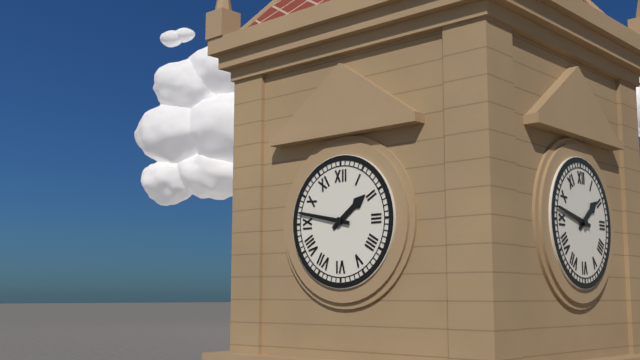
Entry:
1,47
